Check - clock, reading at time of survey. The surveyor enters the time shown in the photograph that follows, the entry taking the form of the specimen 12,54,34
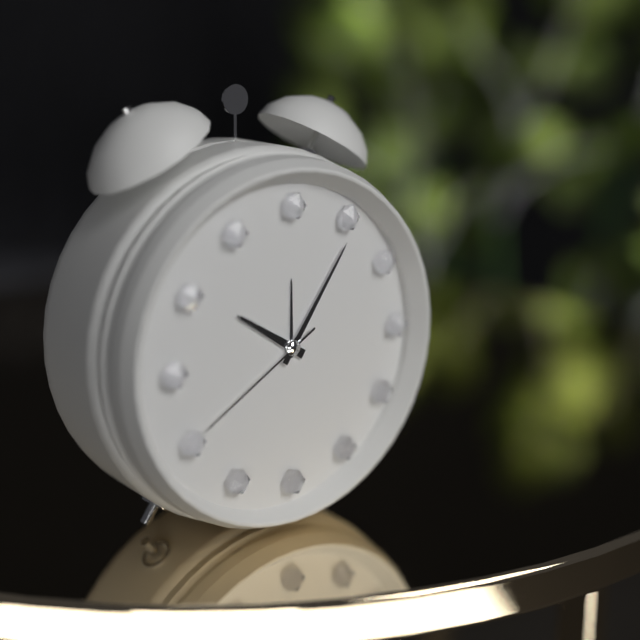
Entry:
10,06,40
